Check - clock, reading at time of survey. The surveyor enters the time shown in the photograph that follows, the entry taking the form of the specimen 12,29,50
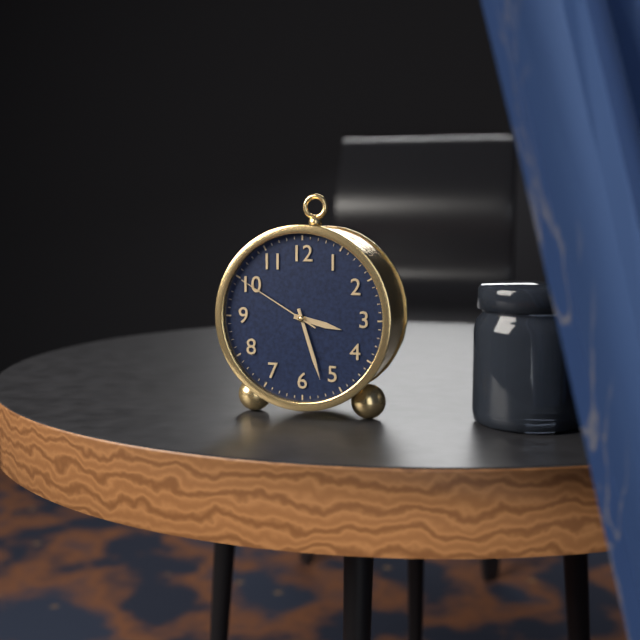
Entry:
3,27,50
